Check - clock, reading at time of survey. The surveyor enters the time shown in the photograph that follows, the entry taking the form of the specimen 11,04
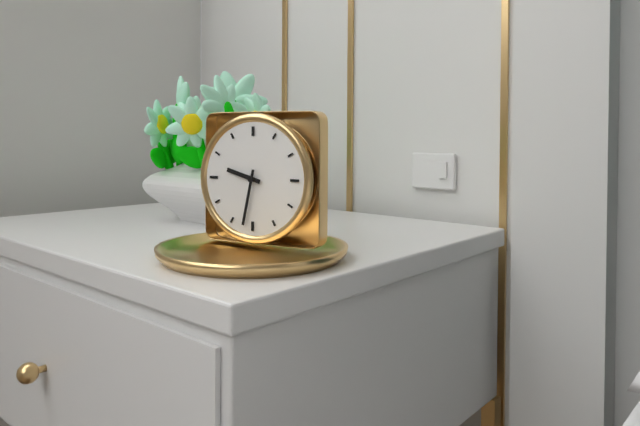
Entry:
9,32
